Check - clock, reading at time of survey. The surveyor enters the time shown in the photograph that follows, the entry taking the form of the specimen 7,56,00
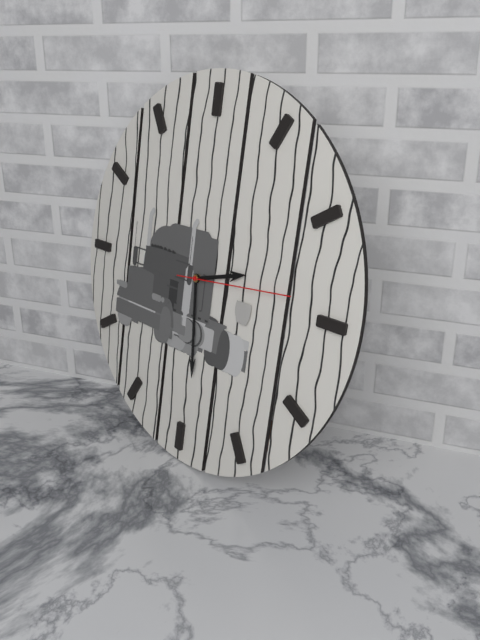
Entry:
2,29,14
